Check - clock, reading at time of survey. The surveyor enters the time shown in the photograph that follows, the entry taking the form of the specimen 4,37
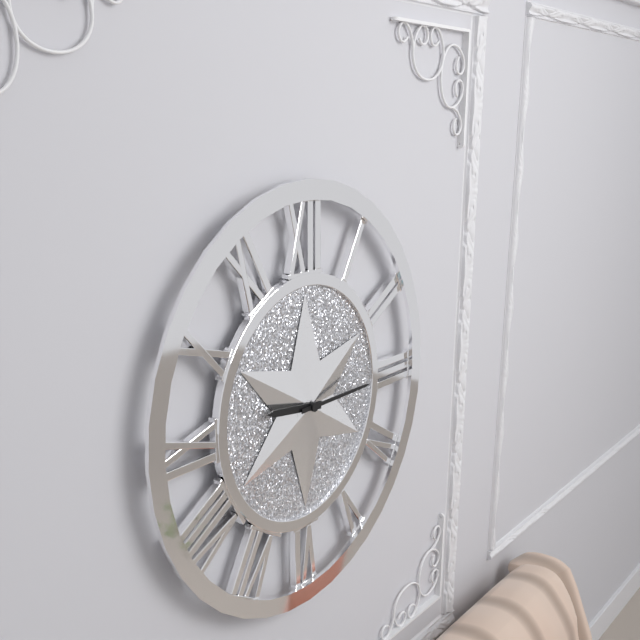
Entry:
9,15
